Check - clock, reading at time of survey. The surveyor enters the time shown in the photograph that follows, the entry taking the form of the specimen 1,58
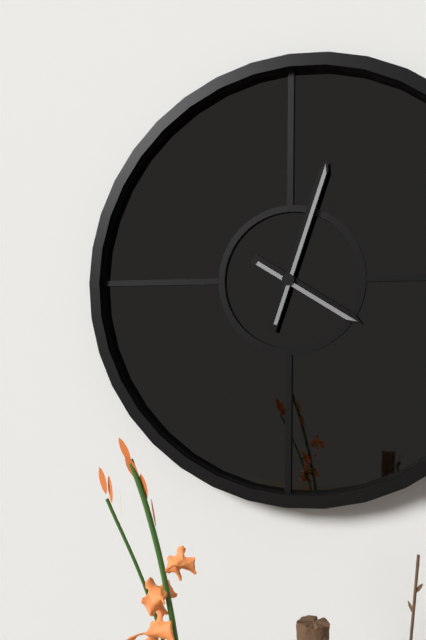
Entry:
4,03
